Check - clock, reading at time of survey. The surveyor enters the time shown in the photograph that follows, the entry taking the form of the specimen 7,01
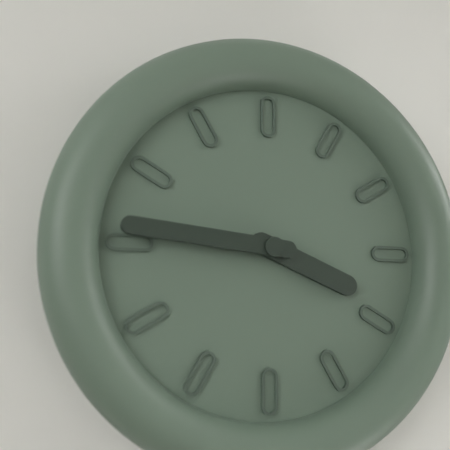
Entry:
3,46
